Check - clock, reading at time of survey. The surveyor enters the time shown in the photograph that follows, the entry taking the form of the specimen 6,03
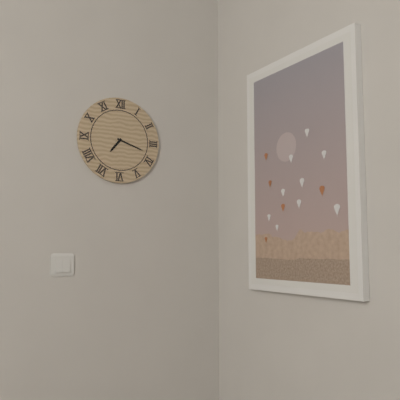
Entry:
7,18
